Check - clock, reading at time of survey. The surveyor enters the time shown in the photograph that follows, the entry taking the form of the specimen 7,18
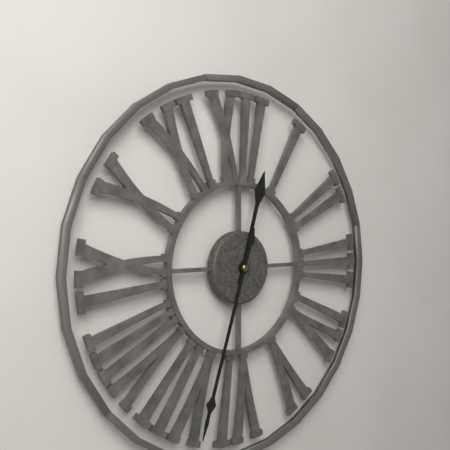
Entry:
12,33
